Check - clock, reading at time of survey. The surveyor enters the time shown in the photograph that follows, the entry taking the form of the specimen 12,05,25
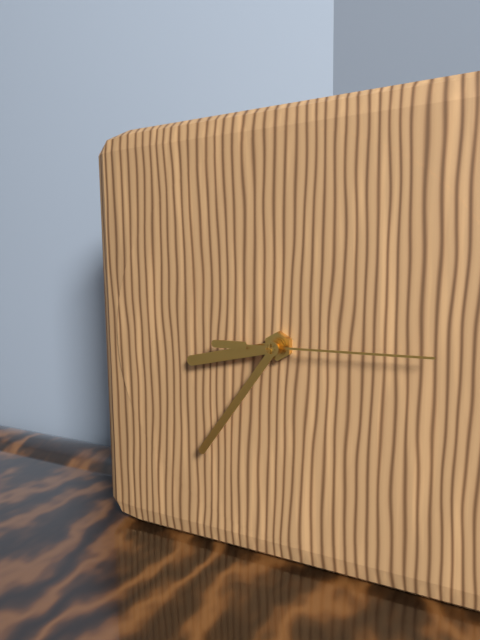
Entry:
8,36,15
